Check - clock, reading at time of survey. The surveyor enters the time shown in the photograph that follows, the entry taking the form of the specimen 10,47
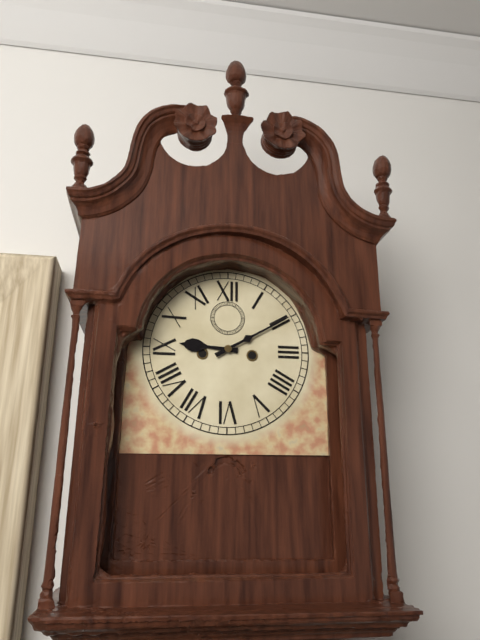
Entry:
9,10
